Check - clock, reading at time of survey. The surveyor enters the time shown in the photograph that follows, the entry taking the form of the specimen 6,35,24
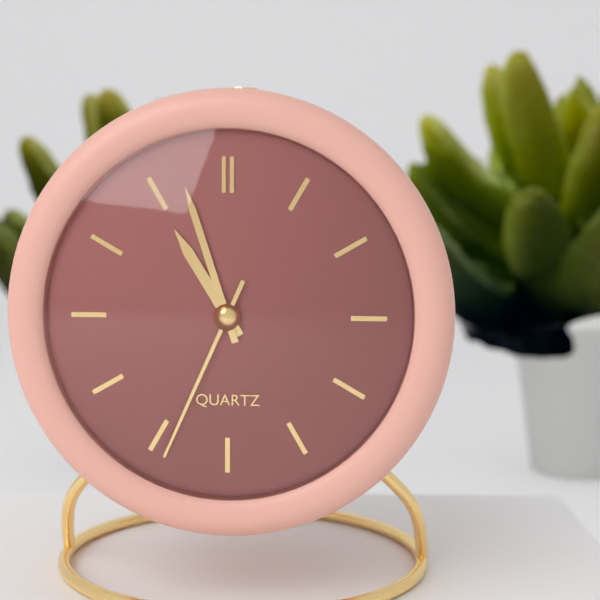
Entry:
10,57,34
